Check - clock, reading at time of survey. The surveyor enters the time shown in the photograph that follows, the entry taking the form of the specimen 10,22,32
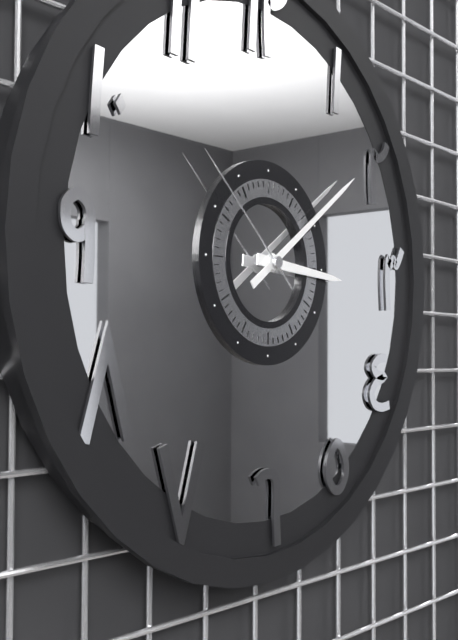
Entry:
3,09,52
